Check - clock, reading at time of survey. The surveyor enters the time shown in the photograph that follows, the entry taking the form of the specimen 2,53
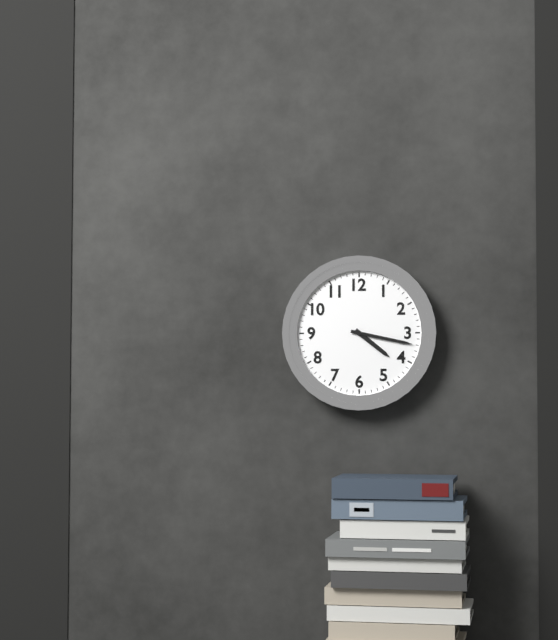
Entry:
4,17
